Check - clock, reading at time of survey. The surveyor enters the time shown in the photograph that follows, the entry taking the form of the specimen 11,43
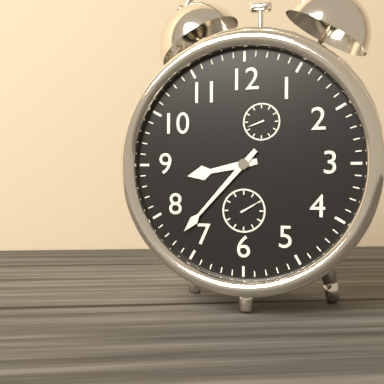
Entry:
8,37
